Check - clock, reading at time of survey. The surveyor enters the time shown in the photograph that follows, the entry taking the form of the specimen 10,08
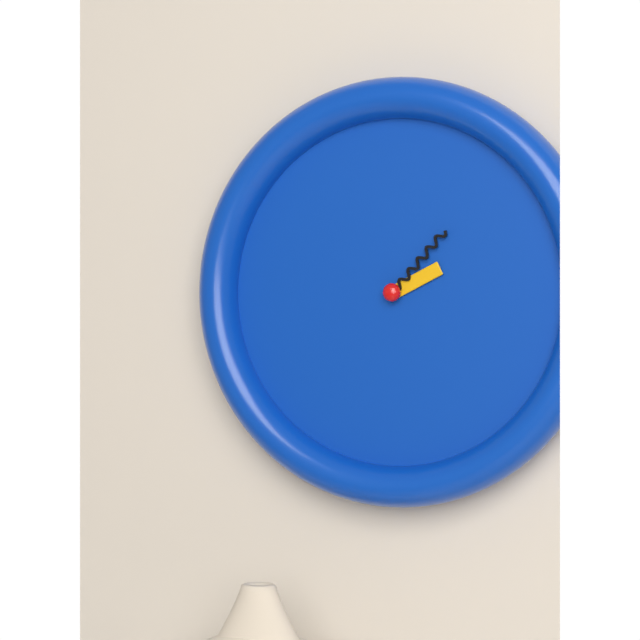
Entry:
2,07
